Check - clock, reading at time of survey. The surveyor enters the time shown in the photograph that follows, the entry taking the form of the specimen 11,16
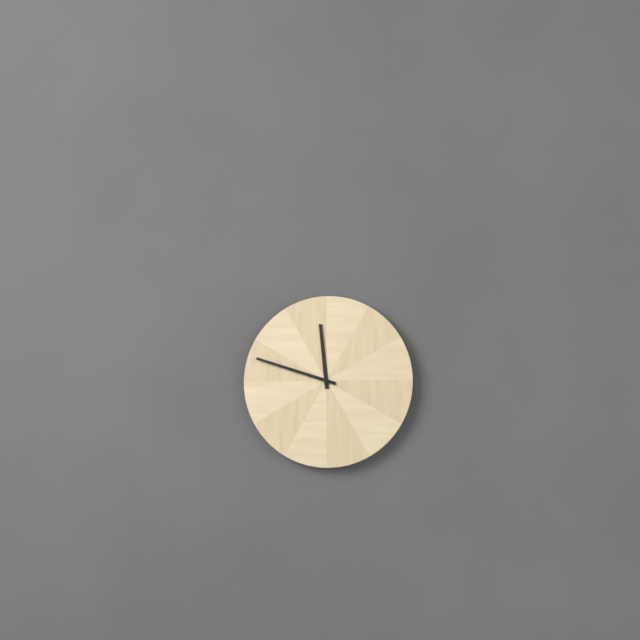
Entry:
11,48
